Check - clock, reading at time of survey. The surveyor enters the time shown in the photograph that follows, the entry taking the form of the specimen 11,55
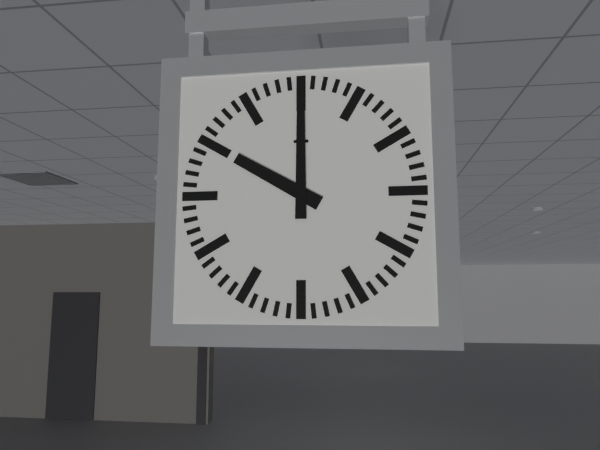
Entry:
10,00
